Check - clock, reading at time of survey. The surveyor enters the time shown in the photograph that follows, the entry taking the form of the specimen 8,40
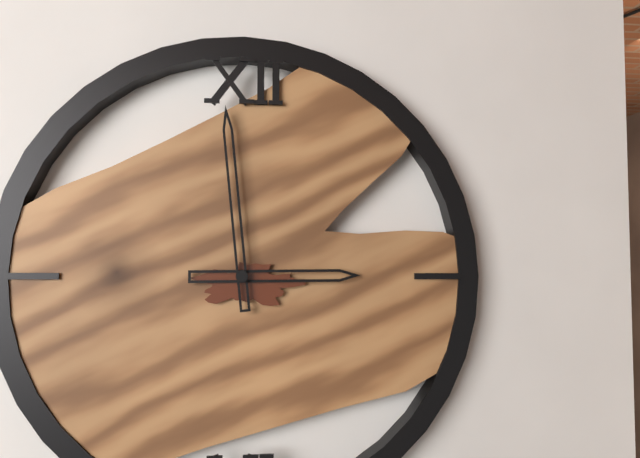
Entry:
2,59
